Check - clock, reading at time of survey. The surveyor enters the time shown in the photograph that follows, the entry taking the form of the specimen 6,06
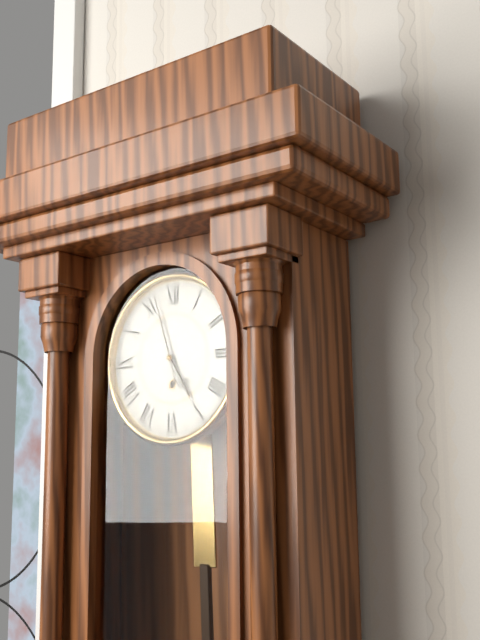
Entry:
4,57
